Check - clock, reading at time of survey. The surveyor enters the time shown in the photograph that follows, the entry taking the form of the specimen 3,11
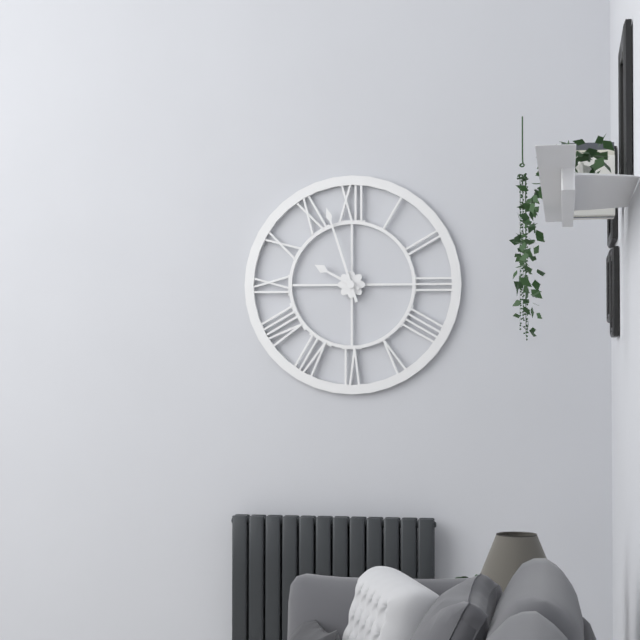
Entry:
9,57
